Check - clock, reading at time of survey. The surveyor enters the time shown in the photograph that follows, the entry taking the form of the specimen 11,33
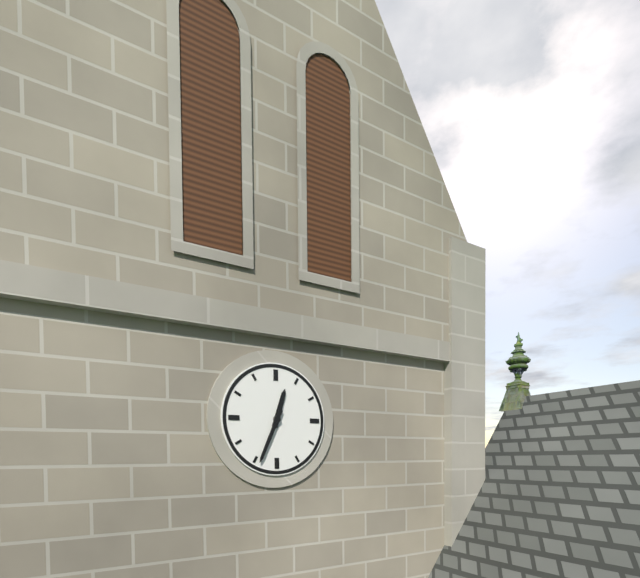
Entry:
12,34
